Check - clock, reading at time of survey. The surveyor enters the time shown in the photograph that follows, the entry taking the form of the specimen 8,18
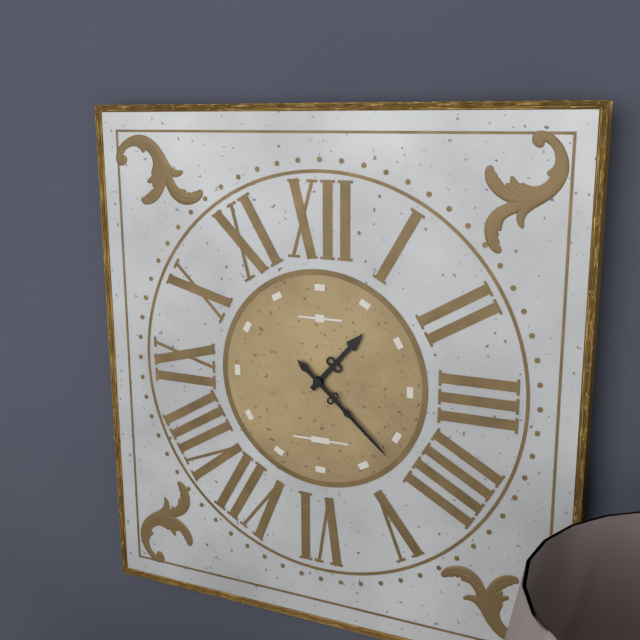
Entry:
1,22
